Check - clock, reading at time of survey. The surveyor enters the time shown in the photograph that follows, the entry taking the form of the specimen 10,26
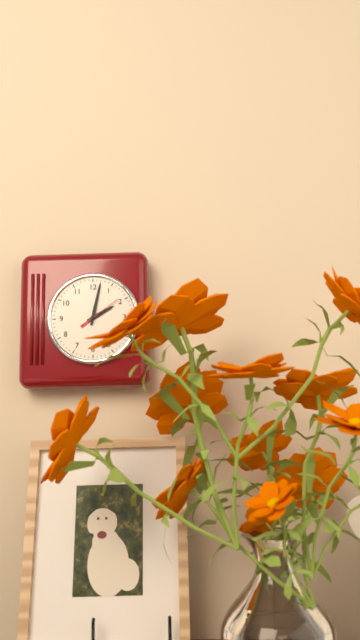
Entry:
2,02
